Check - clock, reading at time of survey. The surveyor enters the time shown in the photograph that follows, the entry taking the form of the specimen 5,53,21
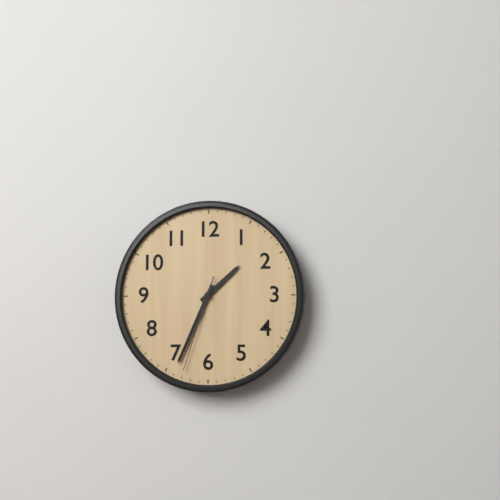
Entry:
1,34,33
